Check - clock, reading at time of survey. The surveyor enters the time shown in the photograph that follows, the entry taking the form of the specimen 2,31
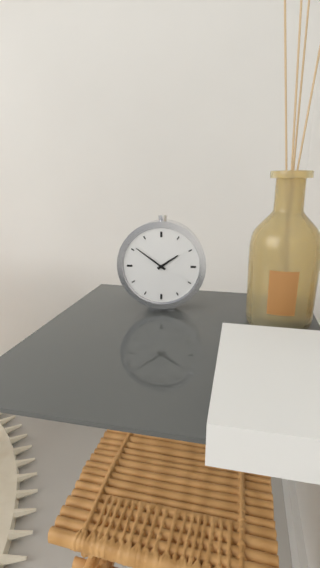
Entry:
1,51
